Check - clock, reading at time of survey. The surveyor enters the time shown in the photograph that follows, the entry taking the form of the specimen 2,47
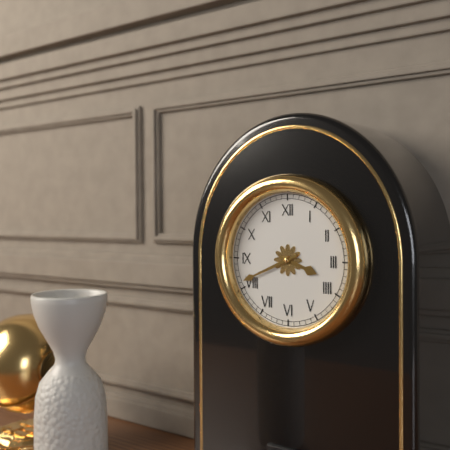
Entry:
3,41
